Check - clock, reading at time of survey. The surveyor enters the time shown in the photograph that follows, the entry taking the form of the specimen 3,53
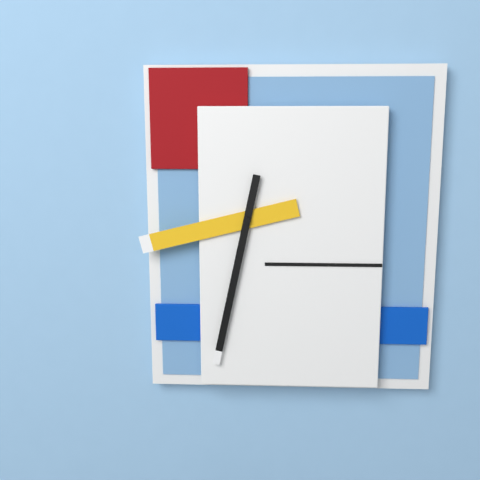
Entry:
8,32
